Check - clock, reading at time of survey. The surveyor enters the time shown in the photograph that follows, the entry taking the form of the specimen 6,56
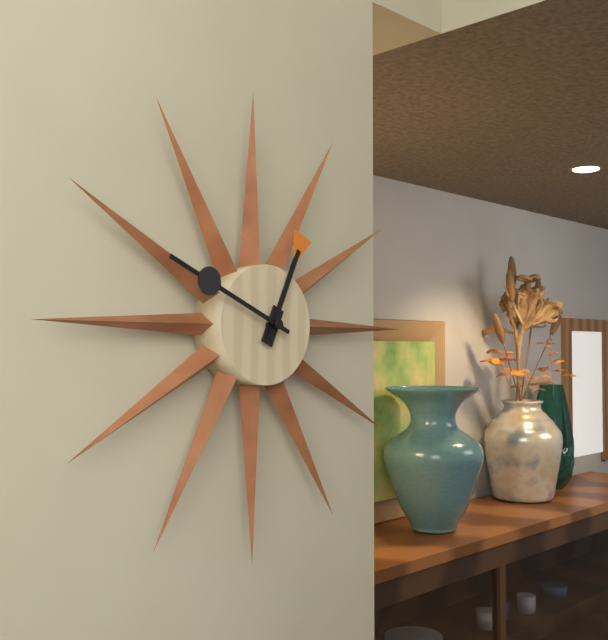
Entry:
12,49
